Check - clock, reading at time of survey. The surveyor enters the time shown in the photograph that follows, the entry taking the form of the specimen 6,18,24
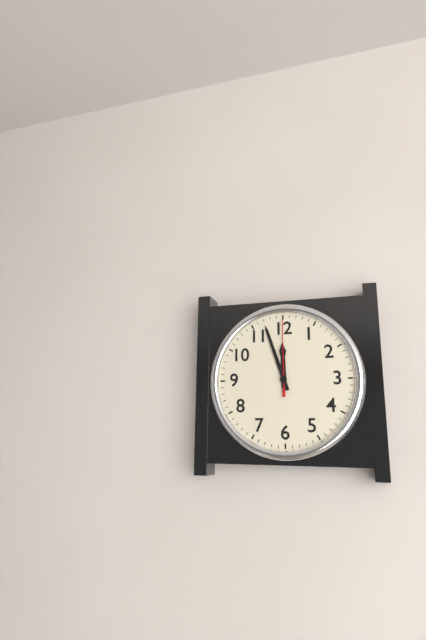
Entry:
11,57,00
